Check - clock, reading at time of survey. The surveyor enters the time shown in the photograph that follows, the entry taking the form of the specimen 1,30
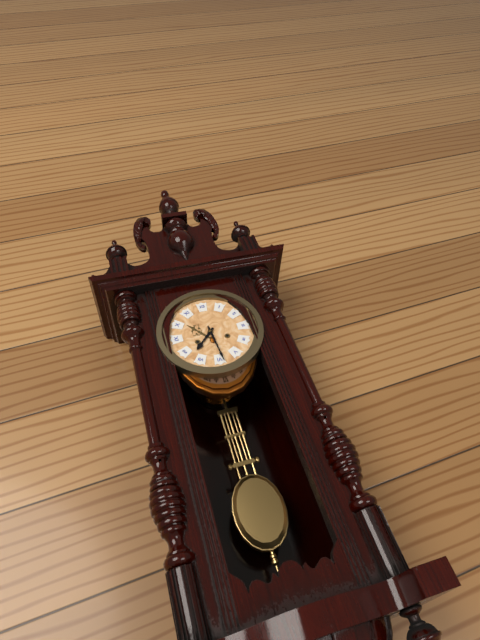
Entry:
7,29
